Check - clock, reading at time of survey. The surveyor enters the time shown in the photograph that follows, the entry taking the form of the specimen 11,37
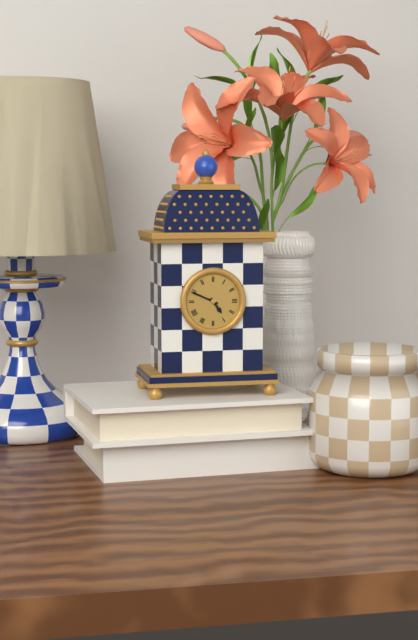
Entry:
4,49
